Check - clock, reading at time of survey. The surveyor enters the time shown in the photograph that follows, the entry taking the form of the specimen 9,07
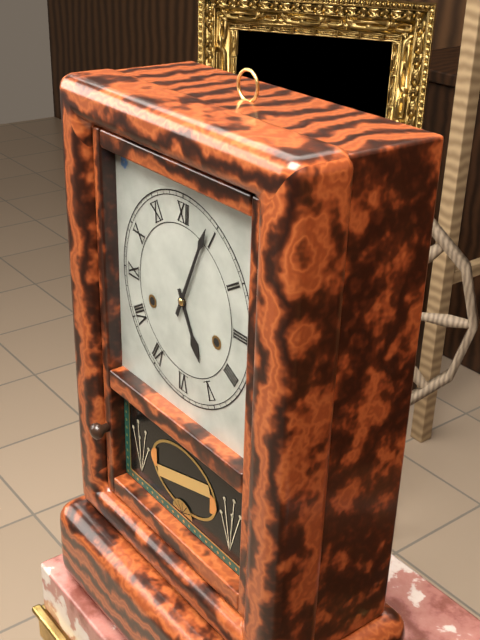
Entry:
5,04
